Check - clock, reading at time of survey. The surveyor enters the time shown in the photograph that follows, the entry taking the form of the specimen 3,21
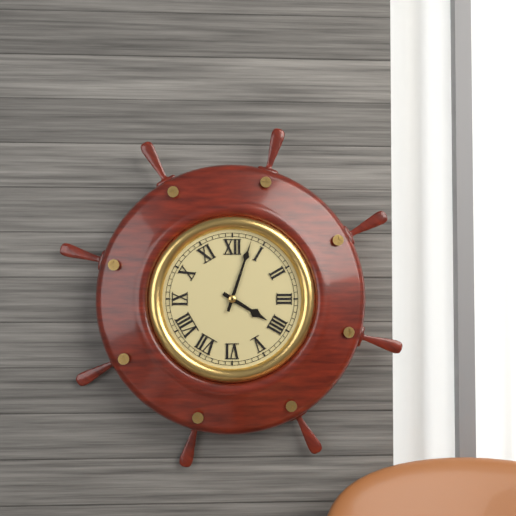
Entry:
4,03
